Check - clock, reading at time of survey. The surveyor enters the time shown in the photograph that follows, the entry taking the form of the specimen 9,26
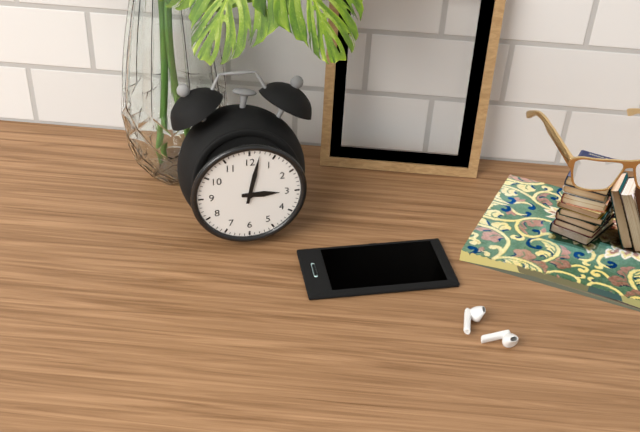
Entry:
3,02
